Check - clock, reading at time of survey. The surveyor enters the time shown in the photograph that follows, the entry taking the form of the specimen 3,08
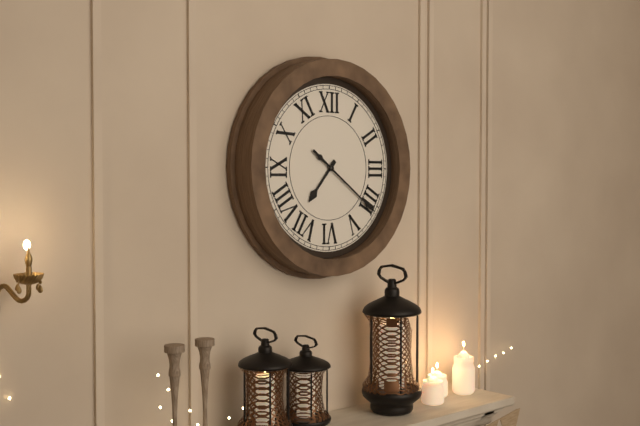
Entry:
7,21
